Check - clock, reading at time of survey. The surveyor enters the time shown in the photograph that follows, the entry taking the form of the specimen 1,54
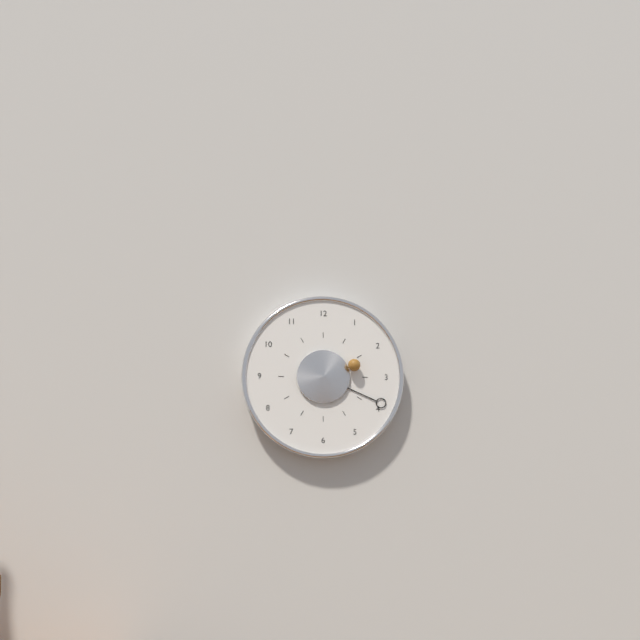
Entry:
2,19
